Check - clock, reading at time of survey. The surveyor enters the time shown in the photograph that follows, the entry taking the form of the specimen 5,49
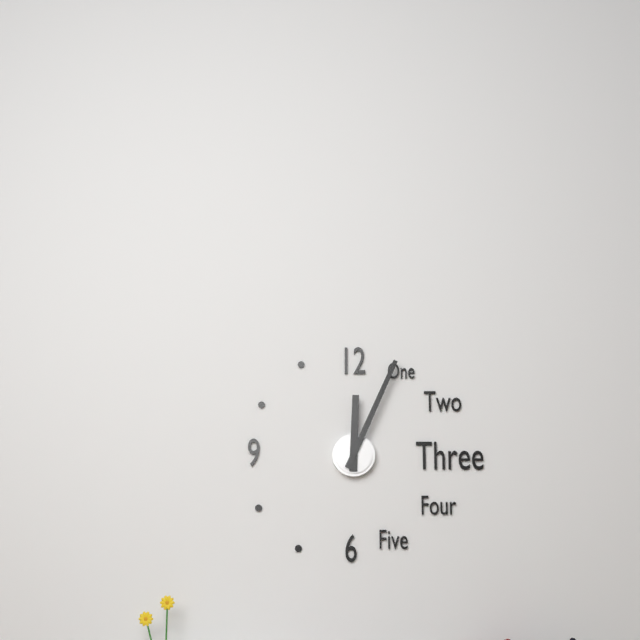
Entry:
12,04
